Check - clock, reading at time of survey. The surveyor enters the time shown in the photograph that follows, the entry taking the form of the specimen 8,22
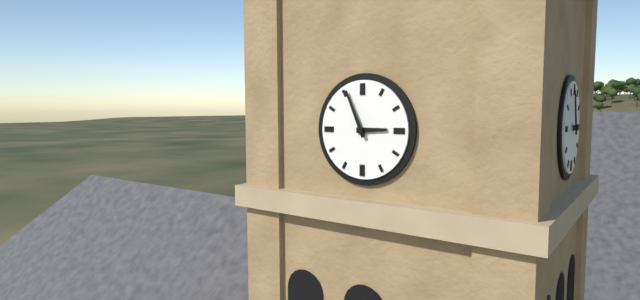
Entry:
2,56
